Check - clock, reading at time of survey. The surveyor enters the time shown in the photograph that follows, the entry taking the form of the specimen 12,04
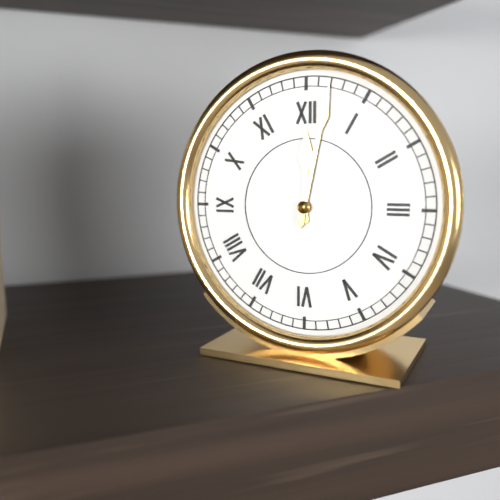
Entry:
12,02
